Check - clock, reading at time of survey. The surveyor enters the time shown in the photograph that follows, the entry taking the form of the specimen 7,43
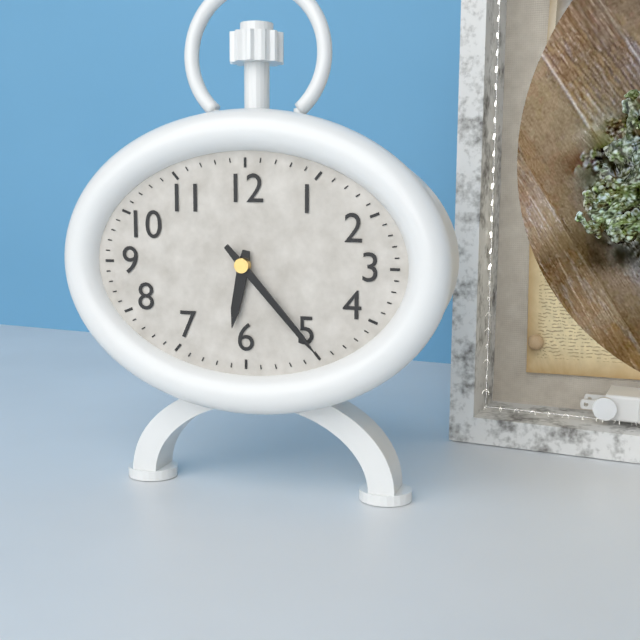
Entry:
6,23
